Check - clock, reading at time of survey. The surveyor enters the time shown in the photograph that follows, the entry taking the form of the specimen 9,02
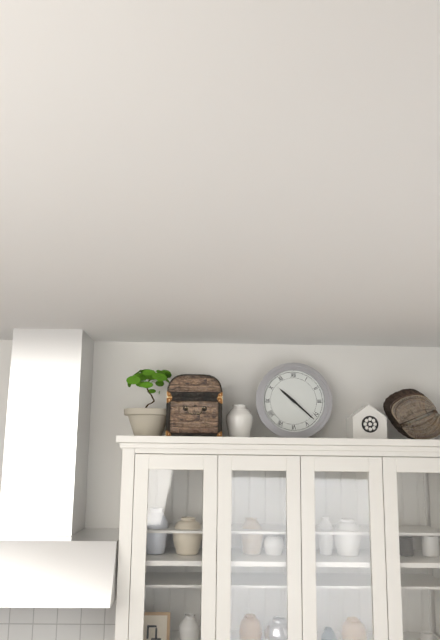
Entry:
10,22
